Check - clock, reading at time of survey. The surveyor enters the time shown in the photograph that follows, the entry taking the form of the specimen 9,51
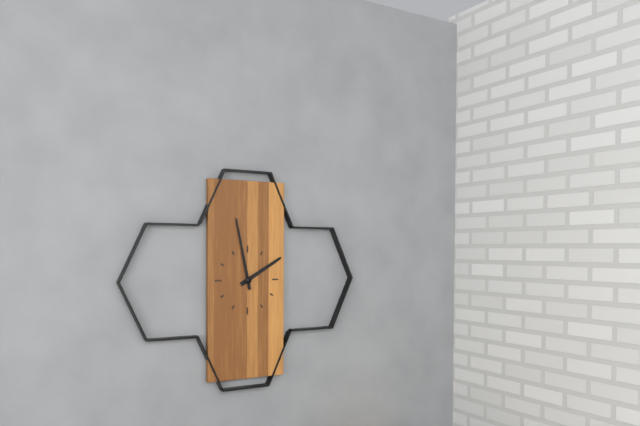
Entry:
1,58
